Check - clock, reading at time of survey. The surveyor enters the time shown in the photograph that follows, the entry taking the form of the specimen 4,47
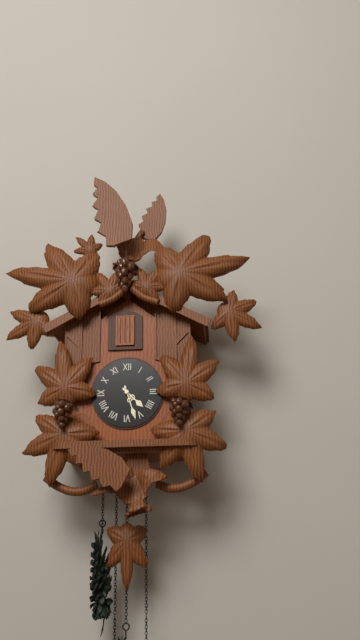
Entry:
4,27
